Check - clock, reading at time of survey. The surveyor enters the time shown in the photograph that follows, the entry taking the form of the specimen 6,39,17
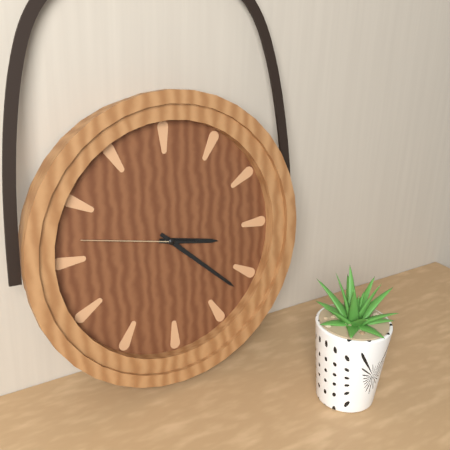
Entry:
3,22,47
